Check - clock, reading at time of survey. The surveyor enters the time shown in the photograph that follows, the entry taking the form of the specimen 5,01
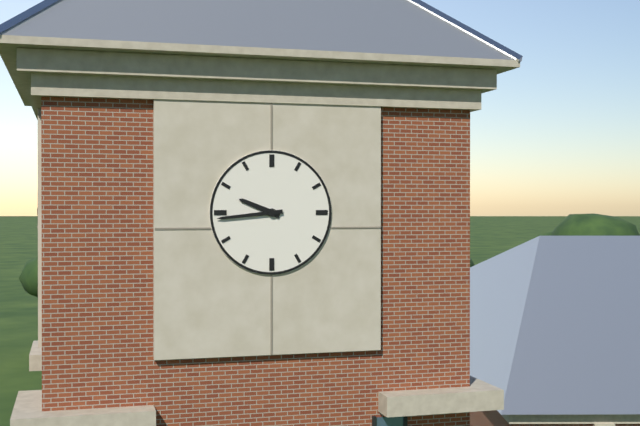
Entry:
9,44
